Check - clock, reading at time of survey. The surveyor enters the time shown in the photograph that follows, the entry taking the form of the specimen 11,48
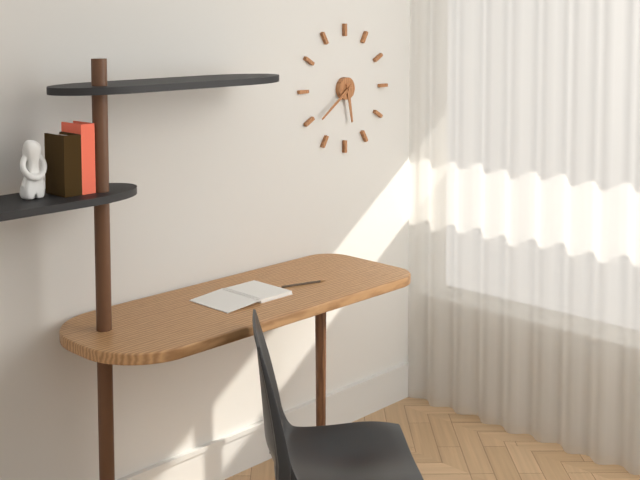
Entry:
5,39
